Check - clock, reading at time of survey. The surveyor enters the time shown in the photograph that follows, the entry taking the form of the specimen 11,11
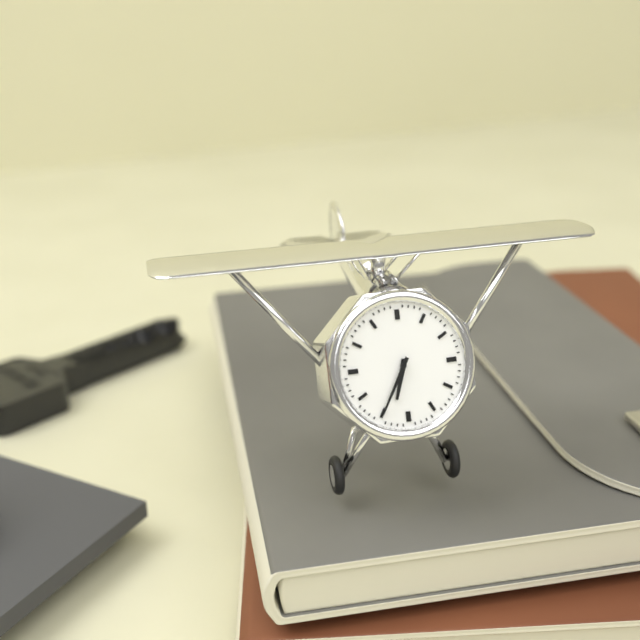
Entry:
6,35
